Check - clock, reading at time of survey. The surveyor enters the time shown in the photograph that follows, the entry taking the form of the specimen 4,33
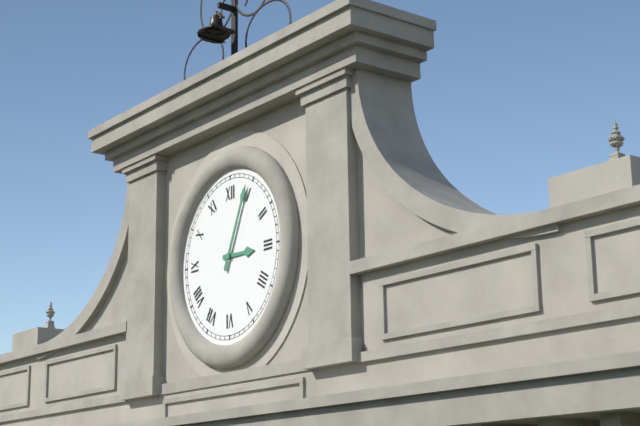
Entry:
3,04
